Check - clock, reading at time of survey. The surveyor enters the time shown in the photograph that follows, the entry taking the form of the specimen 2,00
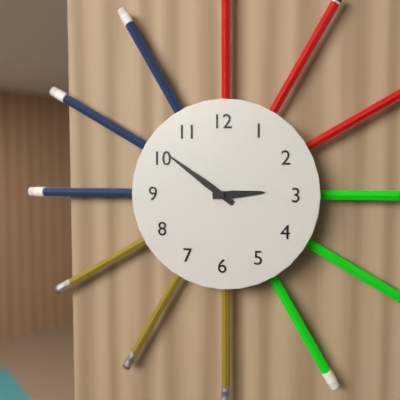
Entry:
2,51
